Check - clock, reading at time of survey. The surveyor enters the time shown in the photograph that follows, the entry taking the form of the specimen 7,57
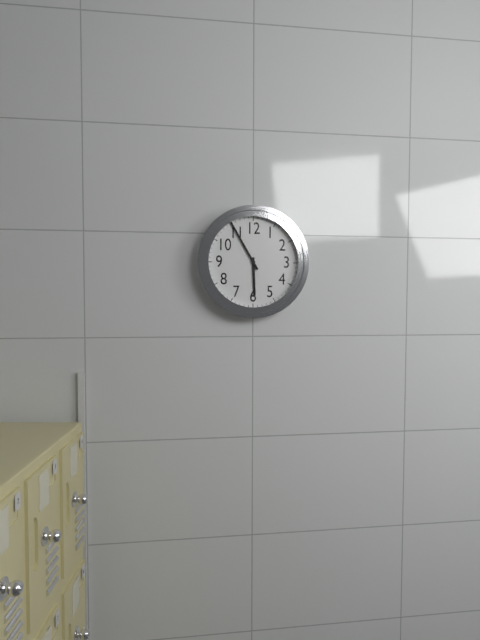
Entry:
5,55
